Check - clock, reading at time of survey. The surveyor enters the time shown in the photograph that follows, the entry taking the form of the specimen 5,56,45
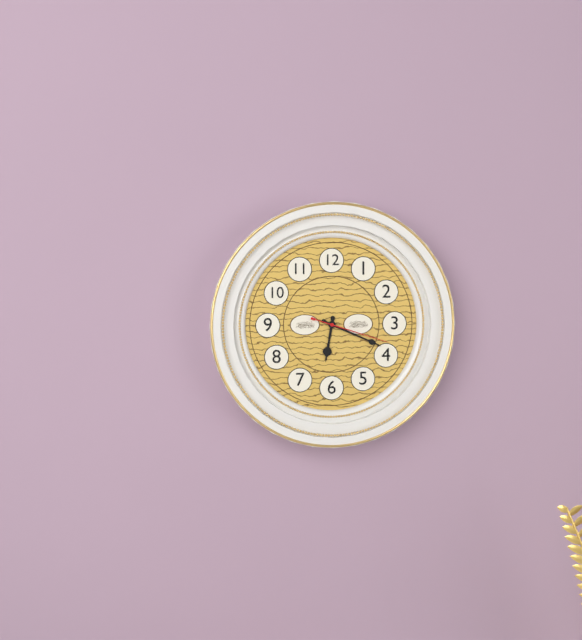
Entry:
6,19,18
